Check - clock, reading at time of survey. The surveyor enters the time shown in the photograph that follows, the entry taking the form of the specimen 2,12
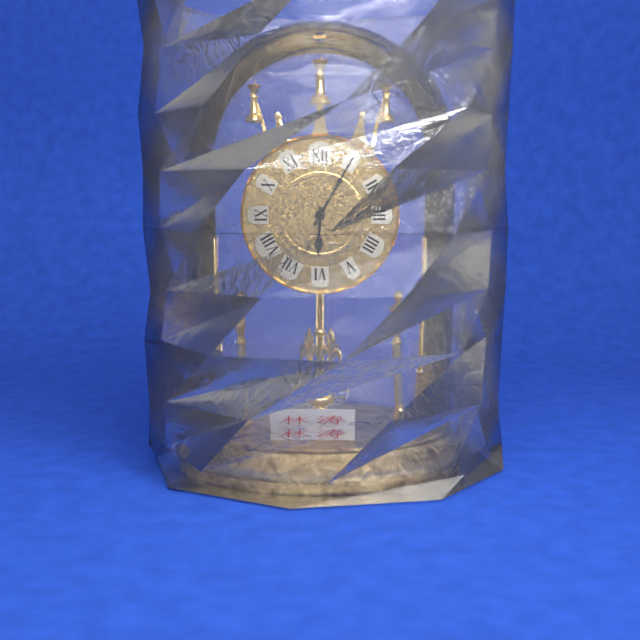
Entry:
6,05
